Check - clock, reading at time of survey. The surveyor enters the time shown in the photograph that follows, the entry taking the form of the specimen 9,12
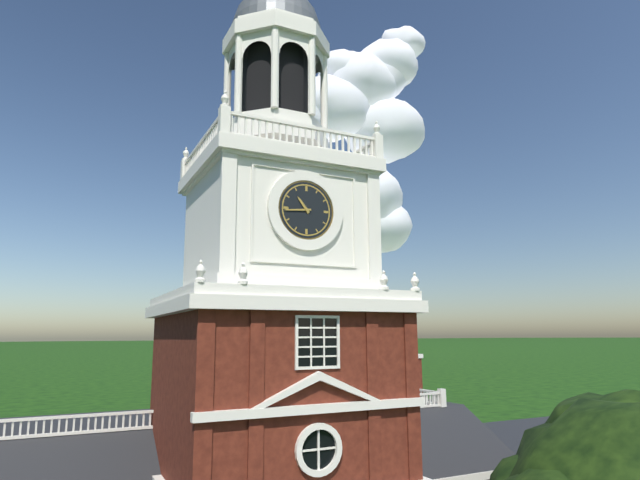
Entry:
10,44
